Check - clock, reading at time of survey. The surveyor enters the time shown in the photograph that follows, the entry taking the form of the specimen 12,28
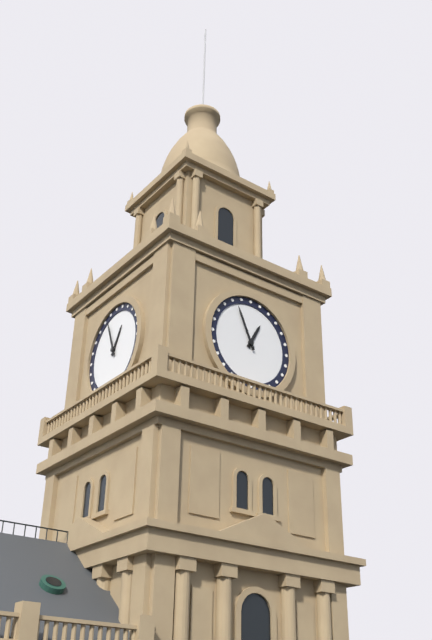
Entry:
12,56
